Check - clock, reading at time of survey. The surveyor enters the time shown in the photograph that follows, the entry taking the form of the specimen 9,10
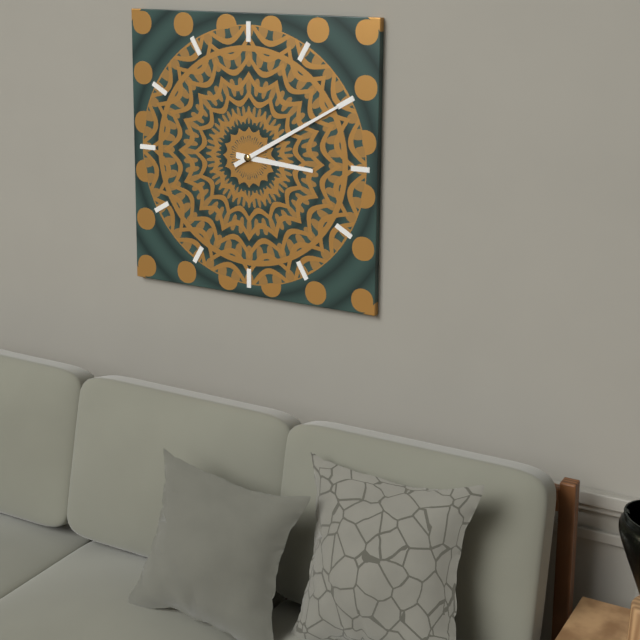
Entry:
3,10
